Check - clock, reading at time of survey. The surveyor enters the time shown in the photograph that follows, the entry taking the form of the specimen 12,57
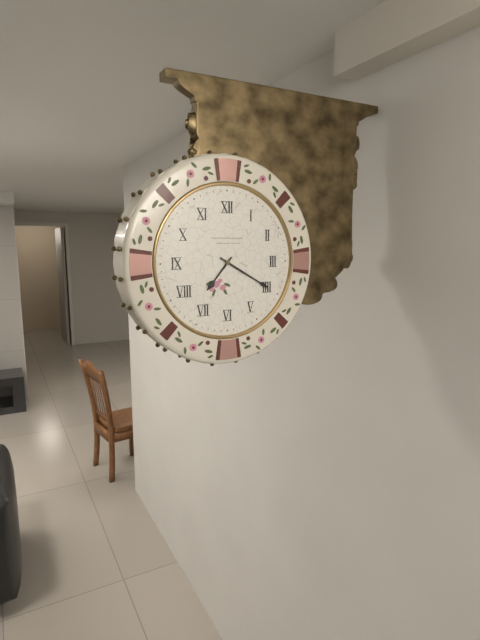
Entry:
7,20
